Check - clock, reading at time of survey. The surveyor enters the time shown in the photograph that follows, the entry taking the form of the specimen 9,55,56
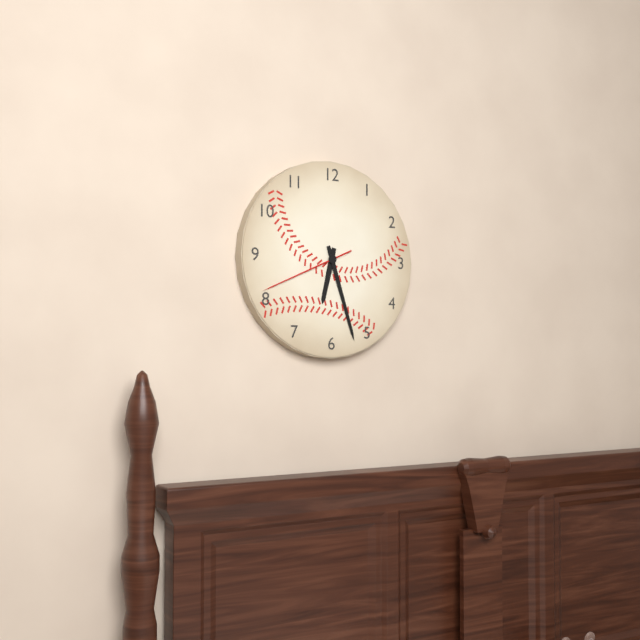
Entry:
6,27,41
